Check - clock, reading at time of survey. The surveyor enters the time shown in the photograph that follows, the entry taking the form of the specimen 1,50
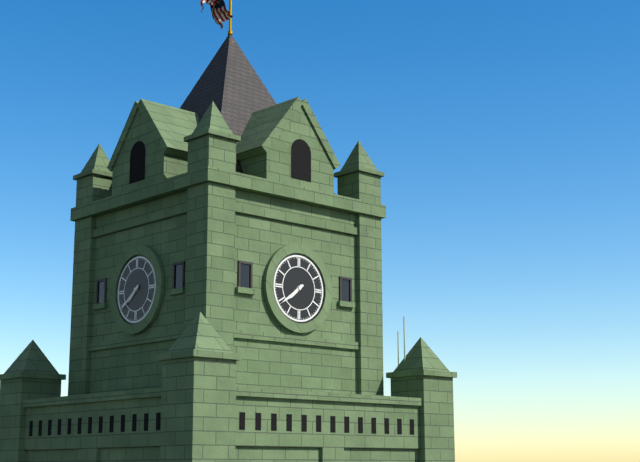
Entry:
7,39
